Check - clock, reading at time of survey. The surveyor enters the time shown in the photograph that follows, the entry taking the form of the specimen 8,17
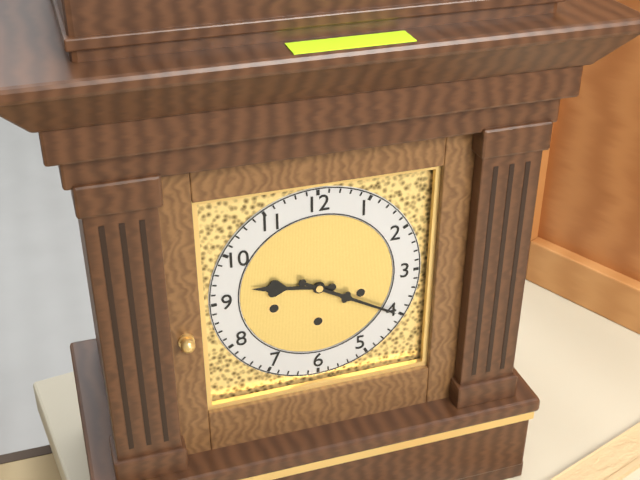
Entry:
9,20
